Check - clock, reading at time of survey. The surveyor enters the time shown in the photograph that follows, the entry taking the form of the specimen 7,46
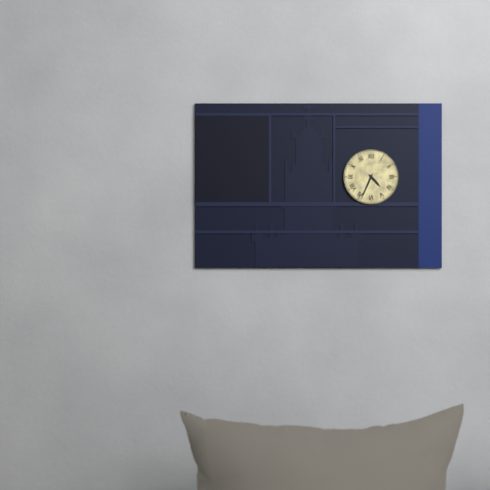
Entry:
4,34
